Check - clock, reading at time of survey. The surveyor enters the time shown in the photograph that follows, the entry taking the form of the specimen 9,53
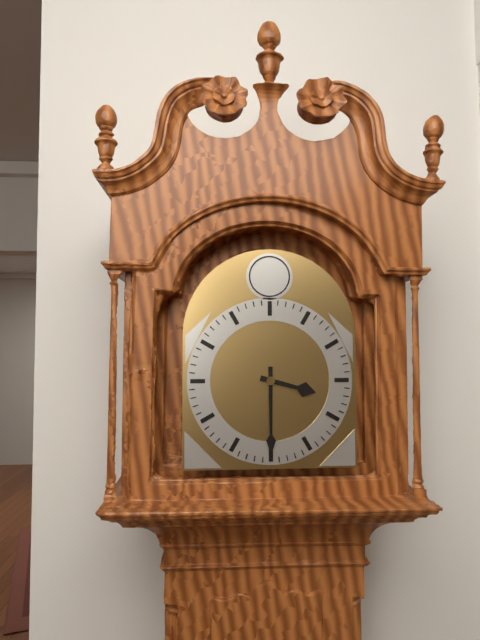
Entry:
3,30
